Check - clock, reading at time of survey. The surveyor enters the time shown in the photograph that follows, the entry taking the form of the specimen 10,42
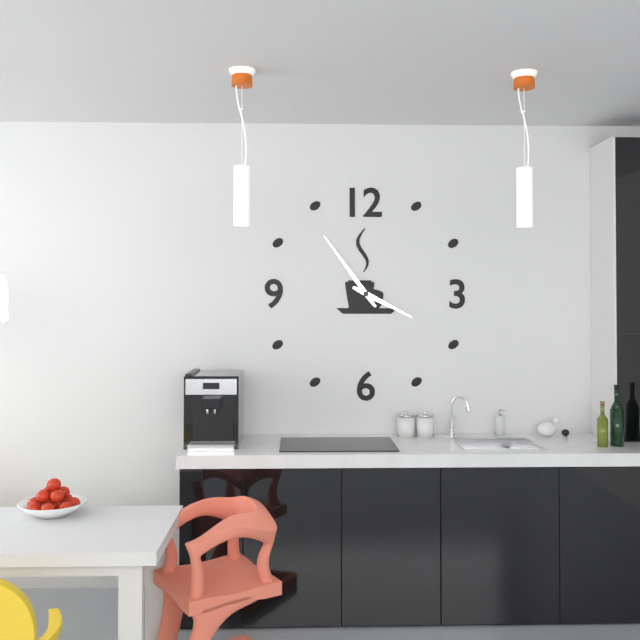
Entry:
3,54
